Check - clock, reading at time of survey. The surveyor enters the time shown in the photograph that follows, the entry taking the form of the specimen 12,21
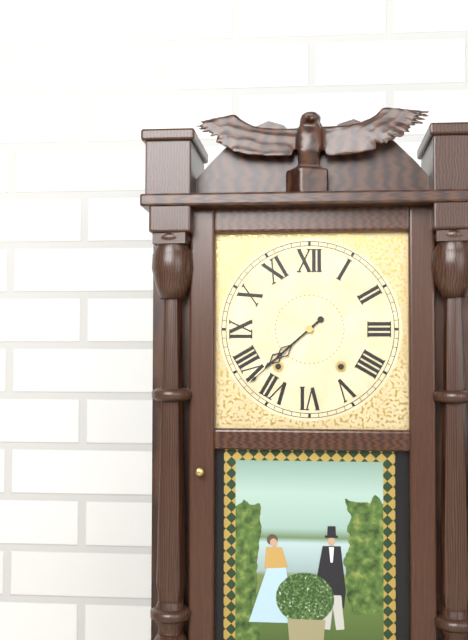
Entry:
7,38
